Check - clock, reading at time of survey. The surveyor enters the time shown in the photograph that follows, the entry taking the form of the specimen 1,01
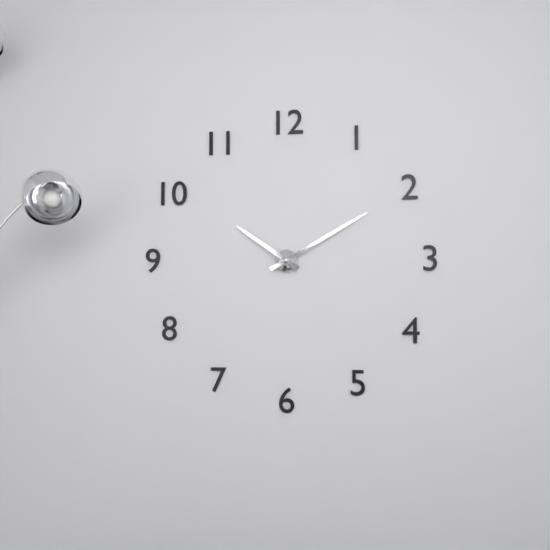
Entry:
10,10
